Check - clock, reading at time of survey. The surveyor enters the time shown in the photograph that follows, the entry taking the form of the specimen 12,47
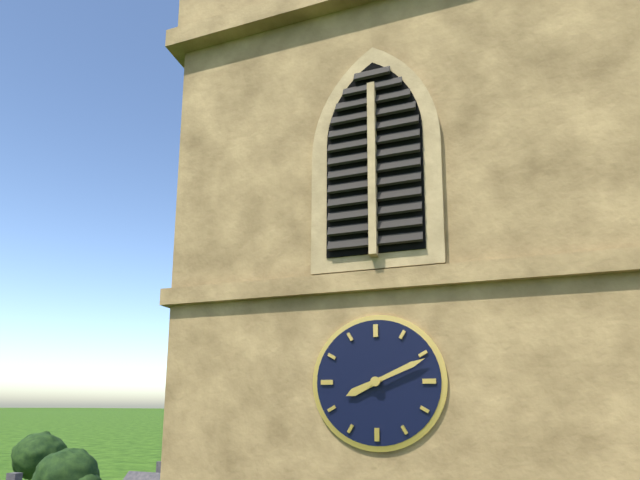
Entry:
8,11
